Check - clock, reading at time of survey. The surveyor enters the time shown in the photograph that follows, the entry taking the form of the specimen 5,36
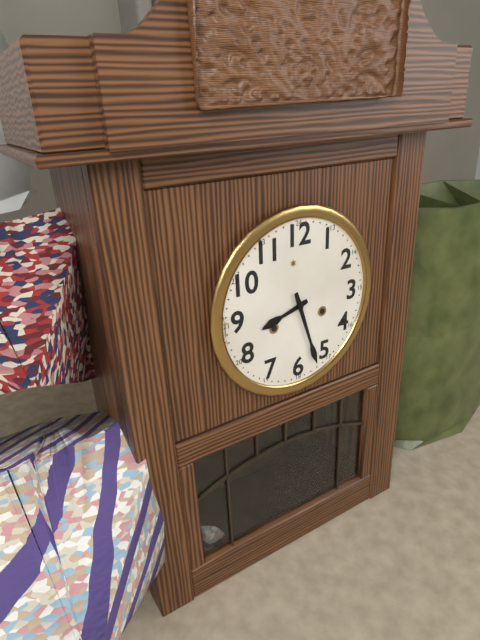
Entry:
8,27
